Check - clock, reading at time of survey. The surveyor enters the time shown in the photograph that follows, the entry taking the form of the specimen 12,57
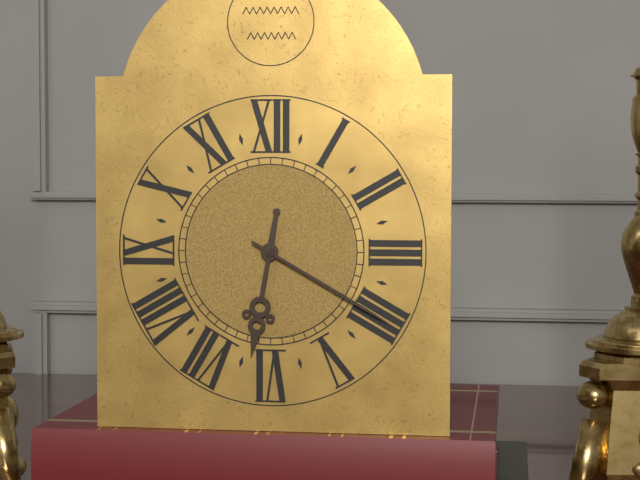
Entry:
6,20
